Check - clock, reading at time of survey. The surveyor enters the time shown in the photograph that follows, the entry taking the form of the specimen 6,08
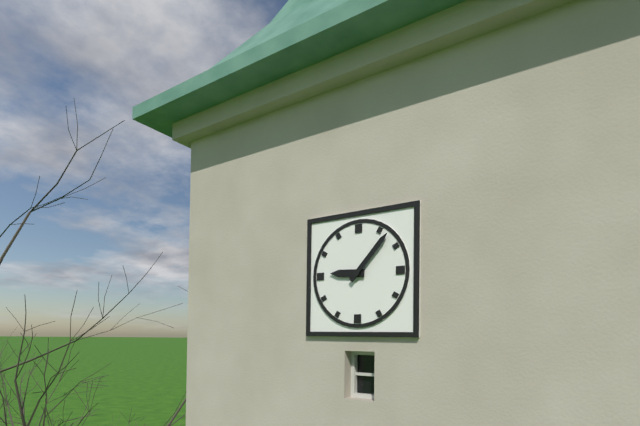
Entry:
9,07
